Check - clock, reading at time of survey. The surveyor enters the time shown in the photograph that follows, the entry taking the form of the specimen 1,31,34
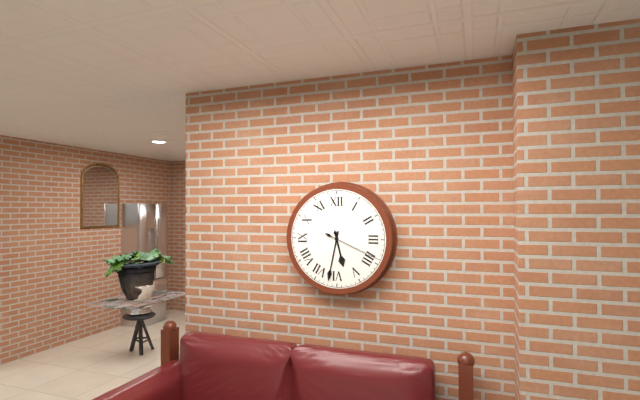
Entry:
5,32,19
